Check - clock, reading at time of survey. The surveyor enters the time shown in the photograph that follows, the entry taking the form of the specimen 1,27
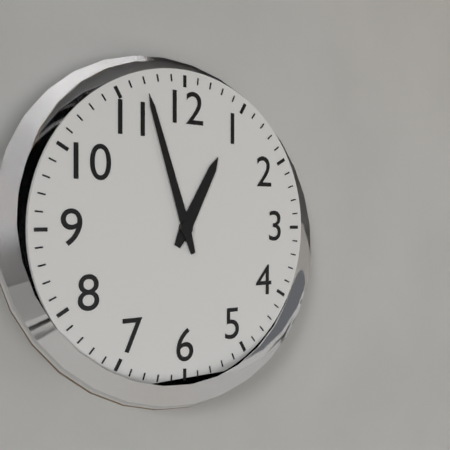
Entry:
12,57
